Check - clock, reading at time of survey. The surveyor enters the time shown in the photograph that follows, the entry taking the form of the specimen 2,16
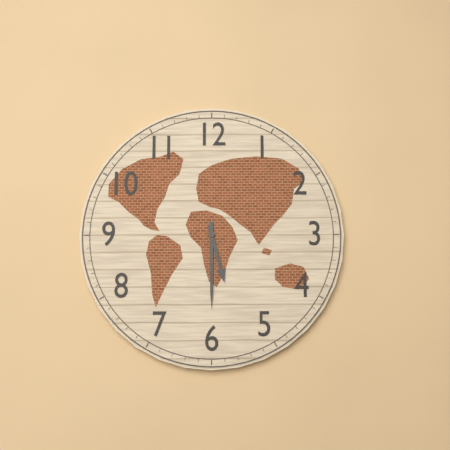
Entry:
5,30
